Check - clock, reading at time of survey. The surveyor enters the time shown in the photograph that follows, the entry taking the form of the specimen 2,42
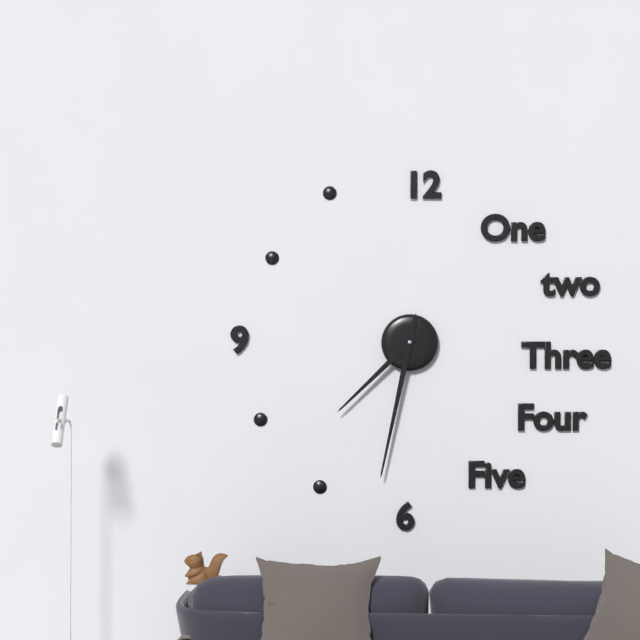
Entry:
7,32
